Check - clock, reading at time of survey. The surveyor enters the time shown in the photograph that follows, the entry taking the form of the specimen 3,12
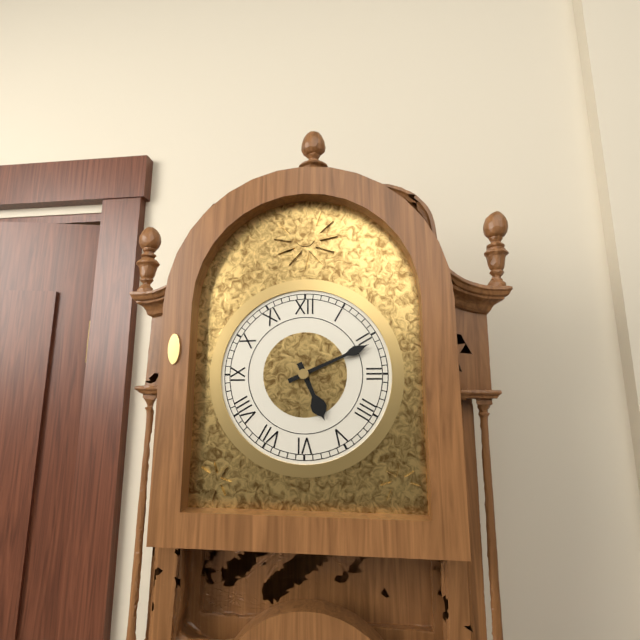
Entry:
5,11
